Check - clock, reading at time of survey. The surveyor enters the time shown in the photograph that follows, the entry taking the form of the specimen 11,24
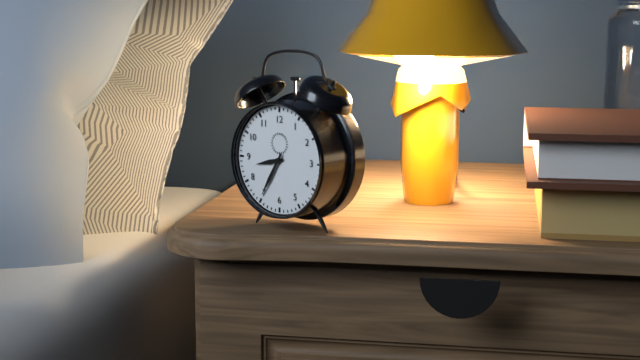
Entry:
8,35
